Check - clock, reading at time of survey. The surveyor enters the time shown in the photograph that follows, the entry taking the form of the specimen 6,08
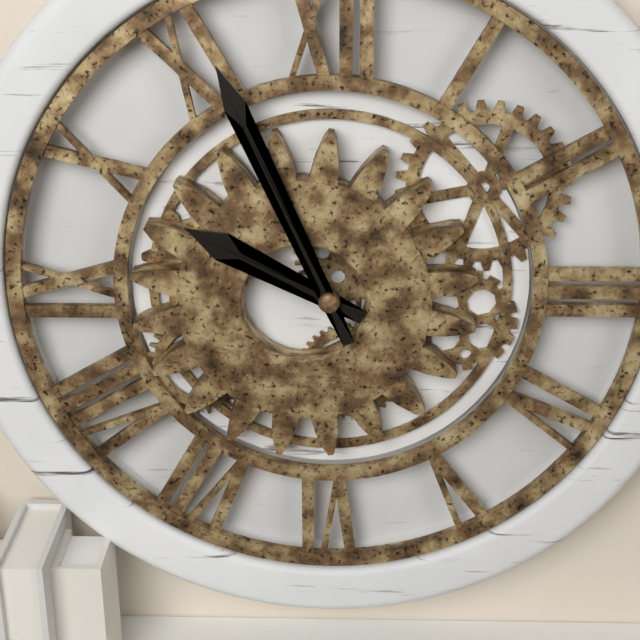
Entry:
9,56
